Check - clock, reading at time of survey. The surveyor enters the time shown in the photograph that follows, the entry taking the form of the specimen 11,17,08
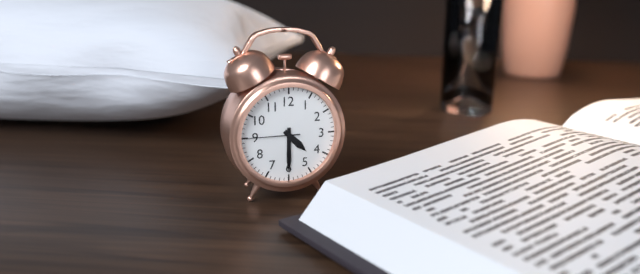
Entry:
4,30,45
